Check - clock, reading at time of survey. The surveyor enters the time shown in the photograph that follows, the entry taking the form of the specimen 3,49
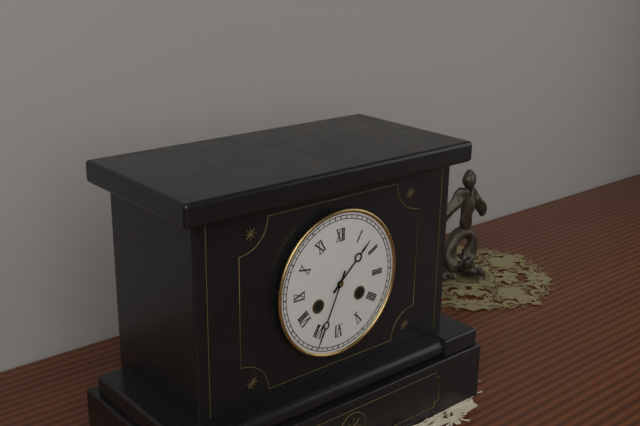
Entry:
1,34
